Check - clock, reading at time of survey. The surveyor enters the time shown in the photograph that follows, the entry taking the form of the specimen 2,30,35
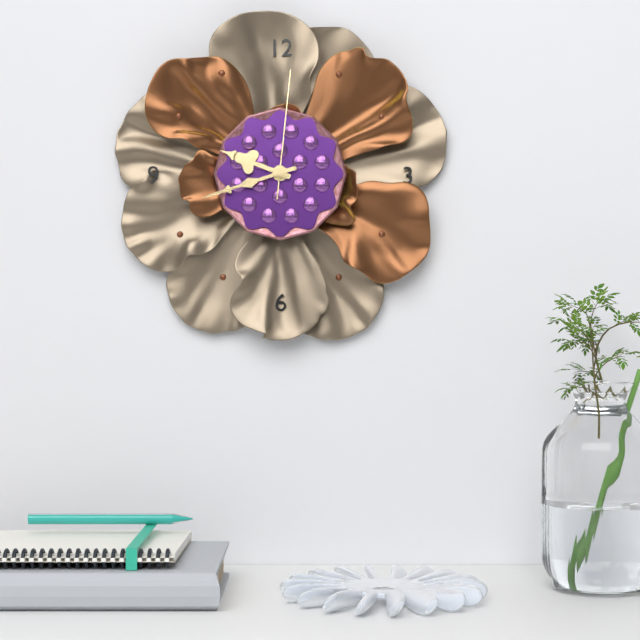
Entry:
9,42,01
